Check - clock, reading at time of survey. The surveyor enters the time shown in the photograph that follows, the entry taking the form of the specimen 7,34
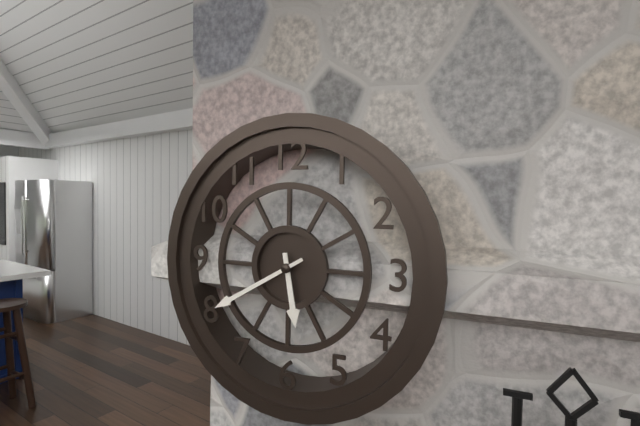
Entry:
5,40
